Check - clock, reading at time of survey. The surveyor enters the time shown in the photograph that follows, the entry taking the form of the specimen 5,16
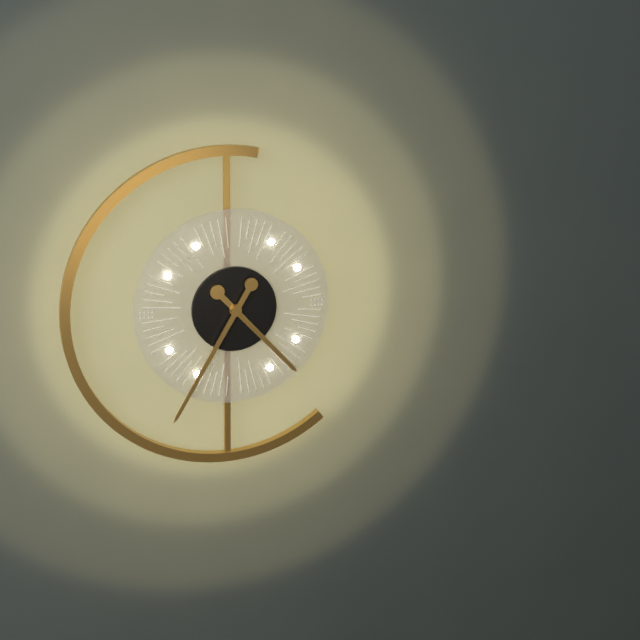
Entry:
4,35
